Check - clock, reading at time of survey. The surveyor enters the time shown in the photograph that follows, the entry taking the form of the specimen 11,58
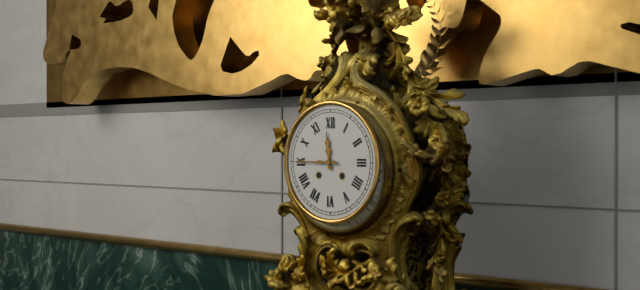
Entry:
11,45
